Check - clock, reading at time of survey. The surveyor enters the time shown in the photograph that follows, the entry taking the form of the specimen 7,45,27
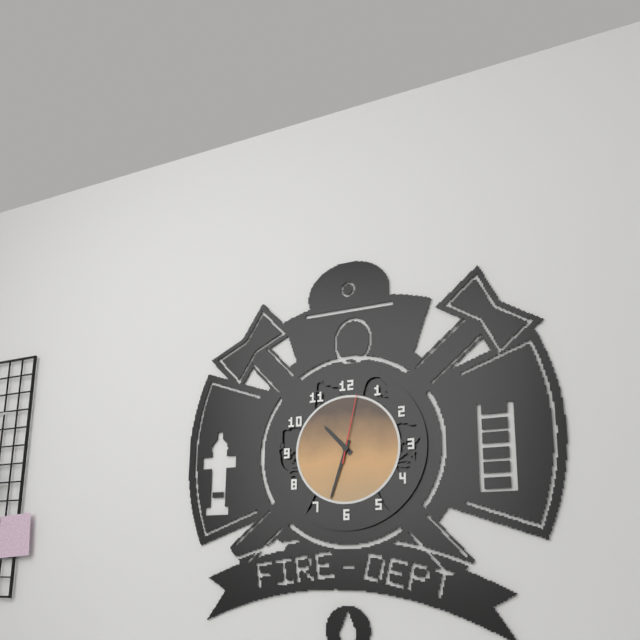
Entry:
10,33,02
